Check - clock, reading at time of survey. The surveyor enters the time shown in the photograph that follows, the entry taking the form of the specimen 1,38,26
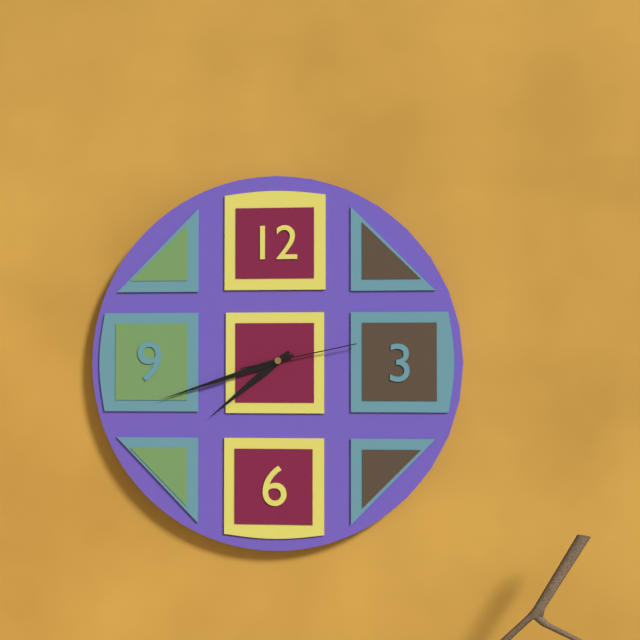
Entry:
7,42,13
